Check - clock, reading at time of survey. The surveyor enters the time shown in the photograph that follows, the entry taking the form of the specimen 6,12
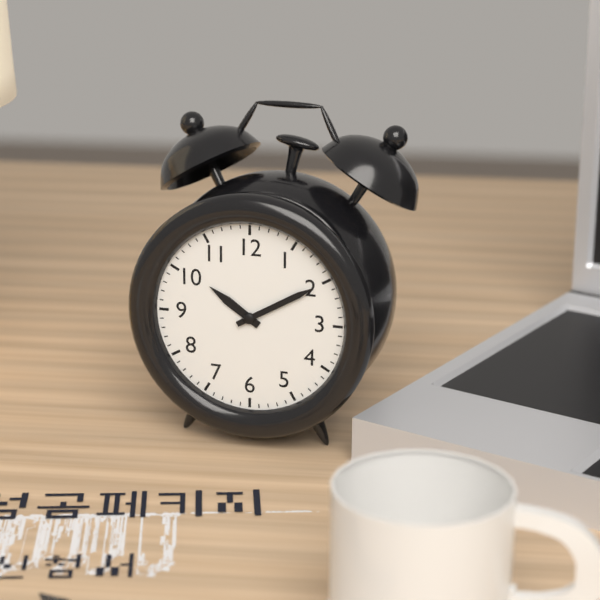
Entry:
10,10
